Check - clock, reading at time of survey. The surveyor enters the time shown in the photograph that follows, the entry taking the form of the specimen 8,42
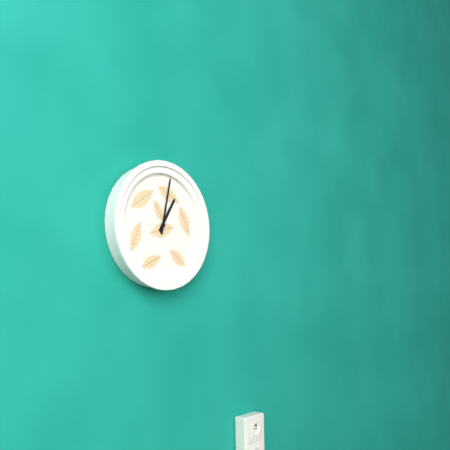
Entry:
1,02
